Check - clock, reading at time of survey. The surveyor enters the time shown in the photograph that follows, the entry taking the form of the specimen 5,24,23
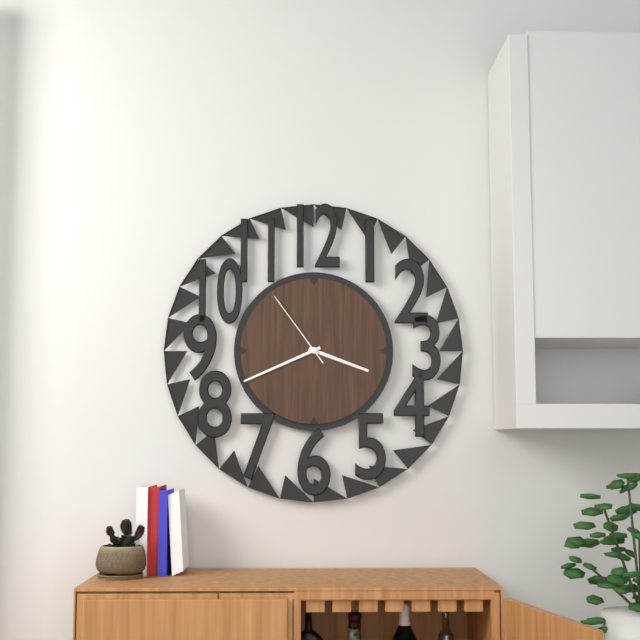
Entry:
3,41,54
